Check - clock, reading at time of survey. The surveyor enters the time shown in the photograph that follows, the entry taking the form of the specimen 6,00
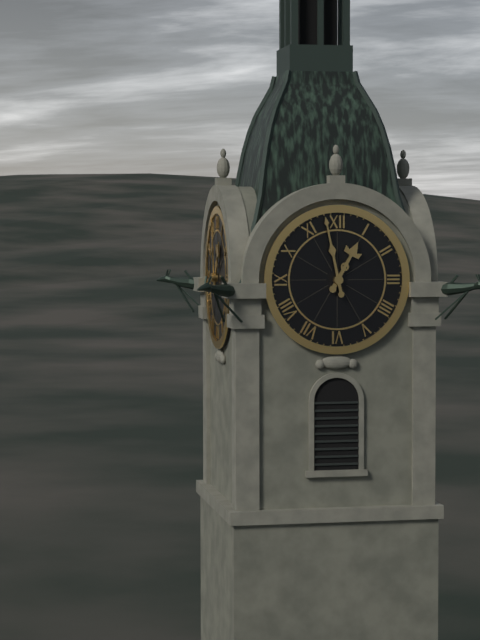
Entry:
12,58
